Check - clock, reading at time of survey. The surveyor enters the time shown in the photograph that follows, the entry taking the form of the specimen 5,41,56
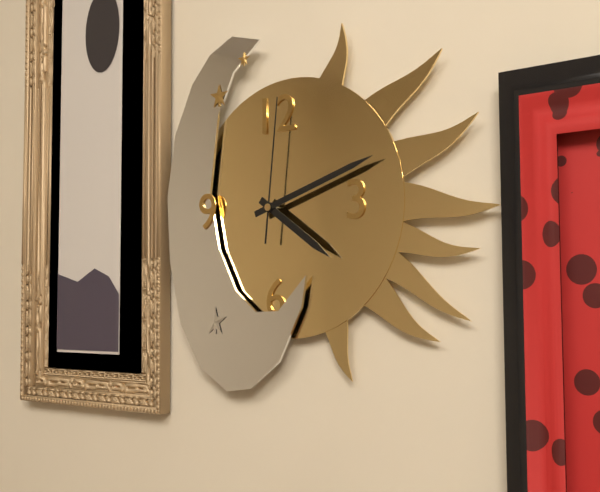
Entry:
4,12,01
